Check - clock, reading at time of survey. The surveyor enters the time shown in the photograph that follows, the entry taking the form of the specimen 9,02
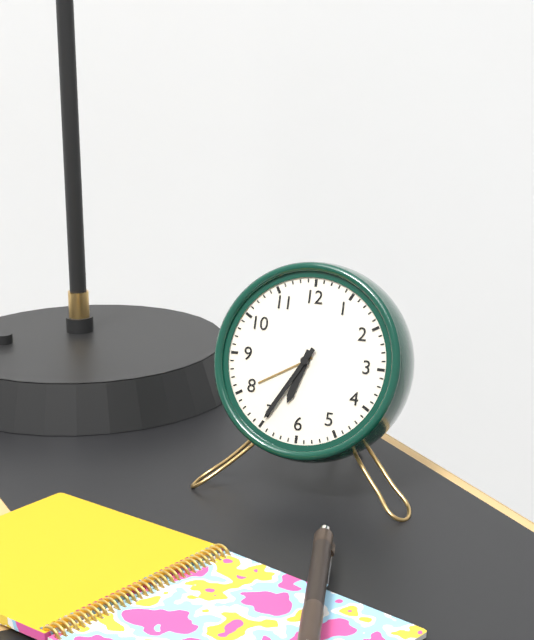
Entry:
6,35
